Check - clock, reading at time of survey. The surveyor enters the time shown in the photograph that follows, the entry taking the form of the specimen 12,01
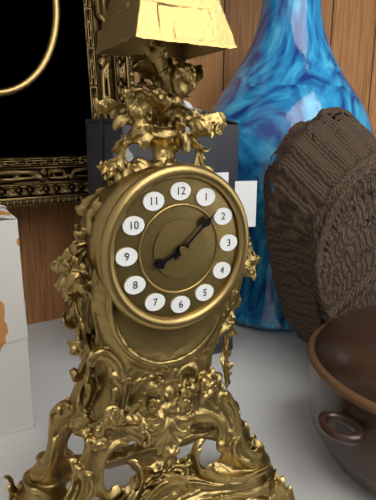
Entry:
8,08
